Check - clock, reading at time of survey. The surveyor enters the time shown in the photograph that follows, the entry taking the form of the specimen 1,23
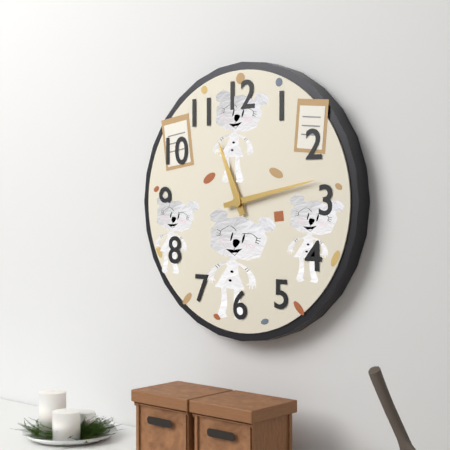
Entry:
11,13
